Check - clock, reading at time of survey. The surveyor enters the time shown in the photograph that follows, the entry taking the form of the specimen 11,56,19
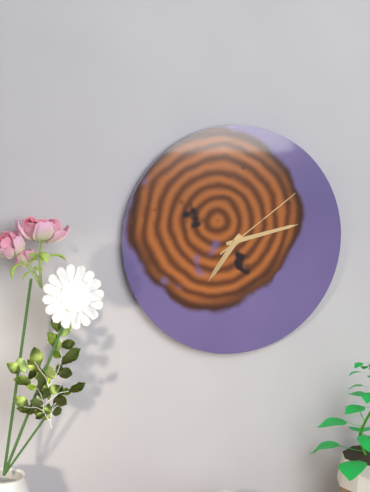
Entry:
7,13,09
